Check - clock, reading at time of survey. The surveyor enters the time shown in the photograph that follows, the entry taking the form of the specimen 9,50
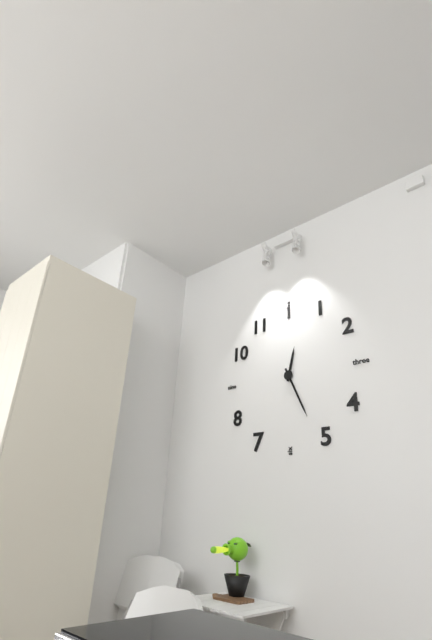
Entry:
12,26
